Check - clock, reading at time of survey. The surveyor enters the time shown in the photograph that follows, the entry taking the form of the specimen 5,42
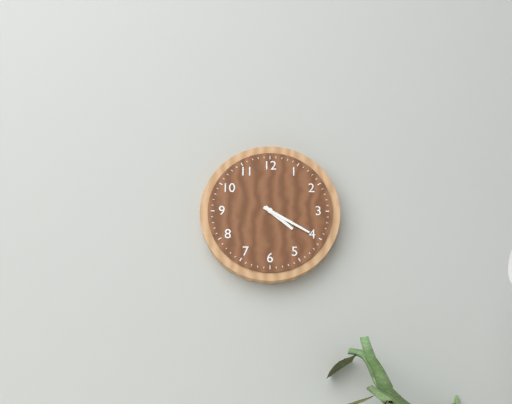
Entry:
4,20
